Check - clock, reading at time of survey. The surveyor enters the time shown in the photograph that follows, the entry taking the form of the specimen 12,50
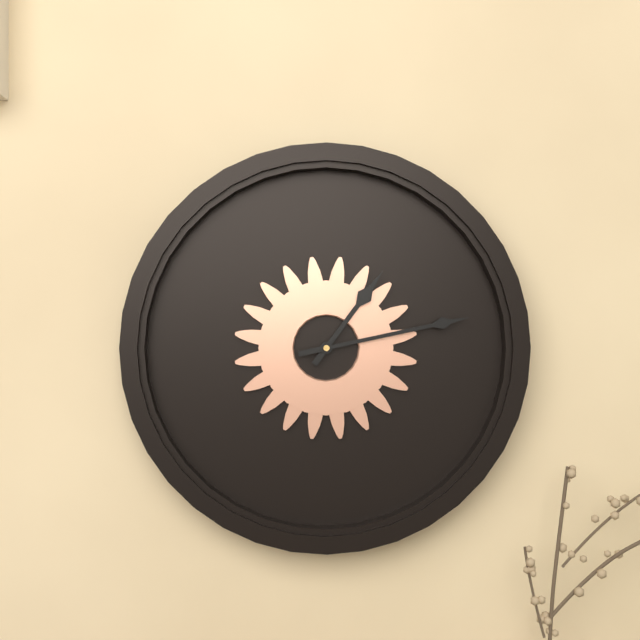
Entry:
1,13
